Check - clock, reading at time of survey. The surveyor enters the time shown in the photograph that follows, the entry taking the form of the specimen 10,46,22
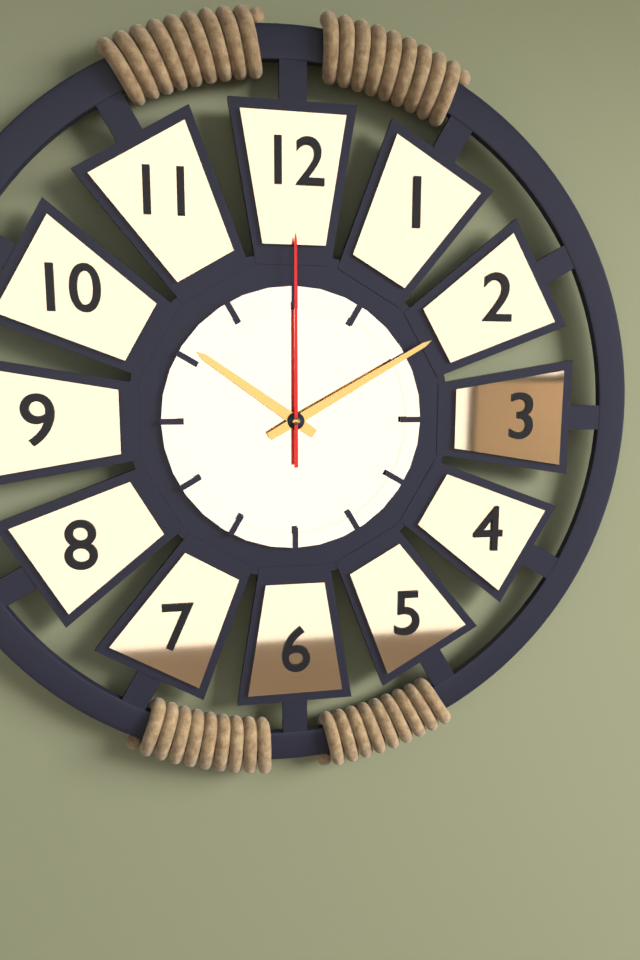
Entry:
10,10,00
